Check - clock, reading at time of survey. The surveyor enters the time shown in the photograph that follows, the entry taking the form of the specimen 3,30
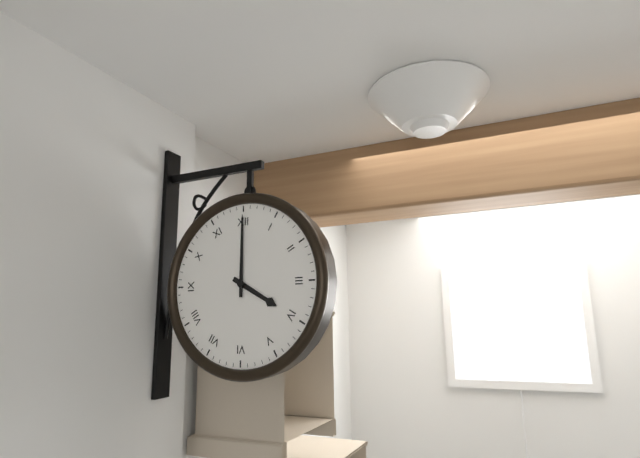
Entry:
4,00
